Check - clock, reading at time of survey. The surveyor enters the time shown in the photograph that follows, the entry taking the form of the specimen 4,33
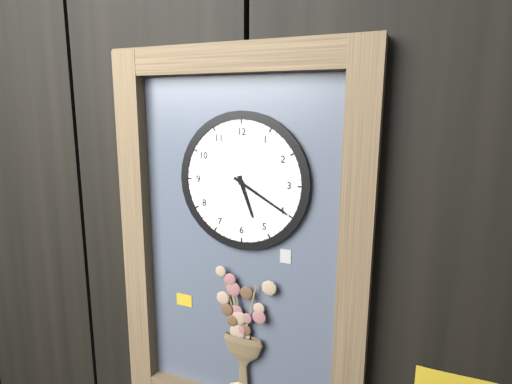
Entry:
5,20
